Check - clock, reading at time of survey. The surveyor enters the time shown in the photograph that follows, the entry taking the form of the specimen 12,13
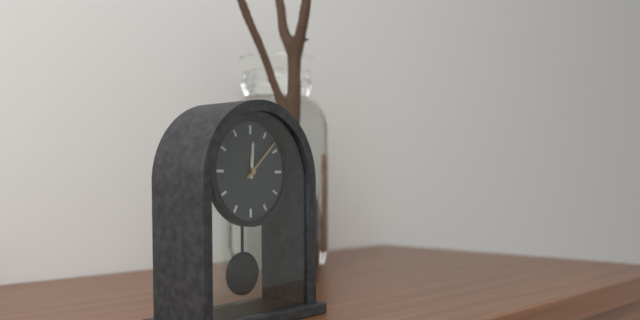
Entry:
12,08
